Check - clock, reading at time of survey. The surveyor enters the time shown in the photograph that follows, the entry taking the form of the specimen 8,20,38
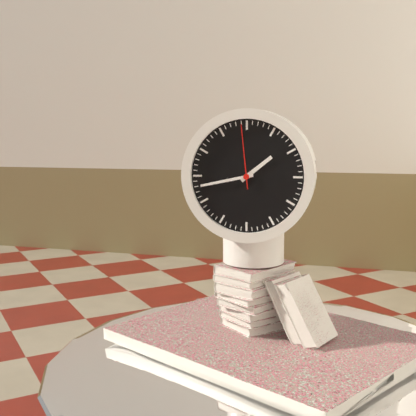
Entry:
1,43,59
